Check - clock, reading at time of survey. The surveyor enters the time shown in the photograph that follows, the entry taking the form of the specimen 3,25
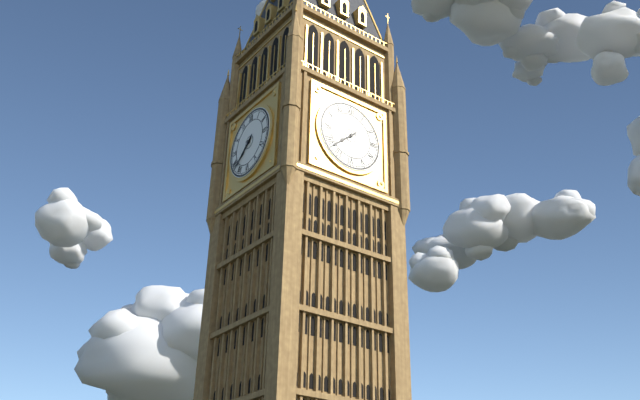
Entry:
7,38
